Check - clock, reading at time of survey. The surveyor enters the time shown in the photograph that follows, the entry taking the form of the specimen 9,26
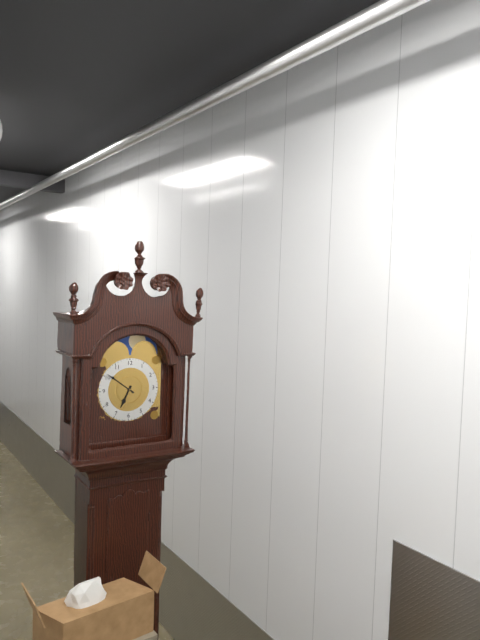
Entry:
6,51
